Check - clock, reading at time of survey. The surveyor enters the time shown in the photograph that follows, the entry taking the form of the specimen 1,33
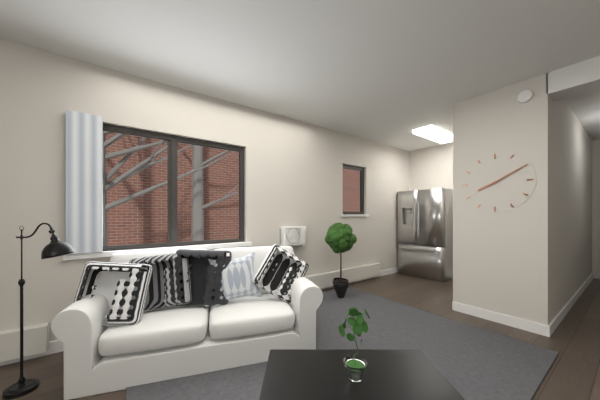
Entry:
8,10
